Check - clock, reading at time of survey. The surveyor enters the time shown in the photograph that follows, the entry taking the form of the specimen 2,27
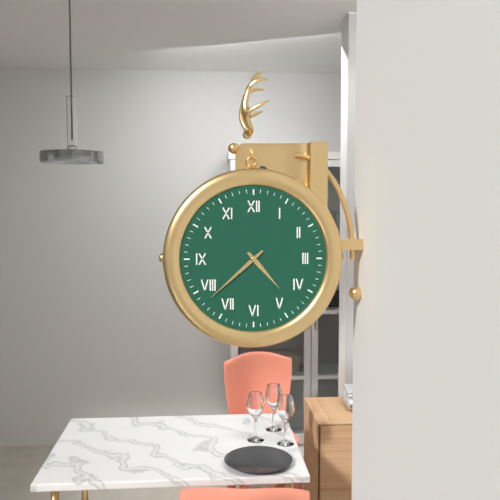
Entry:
4,38
